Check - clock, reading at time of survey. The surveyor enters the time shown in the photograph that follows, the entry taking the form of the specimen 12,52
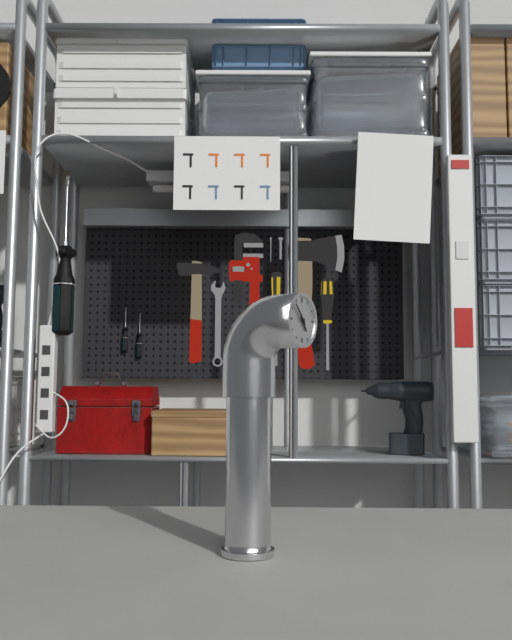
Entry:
4,53
